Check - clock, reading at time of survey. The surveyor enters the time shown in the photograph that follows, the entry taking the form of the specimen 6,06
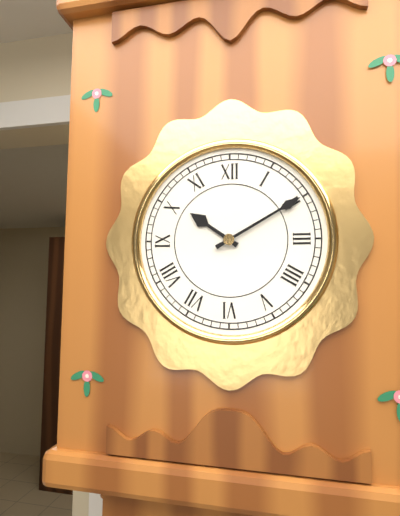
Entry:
10,10
